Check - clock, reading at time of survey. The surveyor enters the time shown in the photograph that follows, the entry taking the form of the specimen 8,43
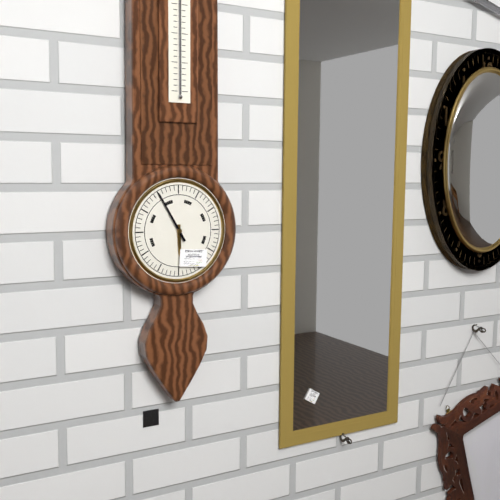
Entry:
5,55
